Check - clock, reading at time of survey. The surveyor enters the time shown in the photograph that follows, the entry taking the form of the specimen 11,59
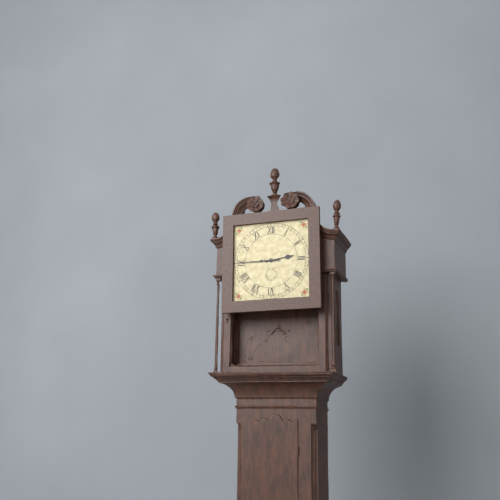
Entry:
2,45
